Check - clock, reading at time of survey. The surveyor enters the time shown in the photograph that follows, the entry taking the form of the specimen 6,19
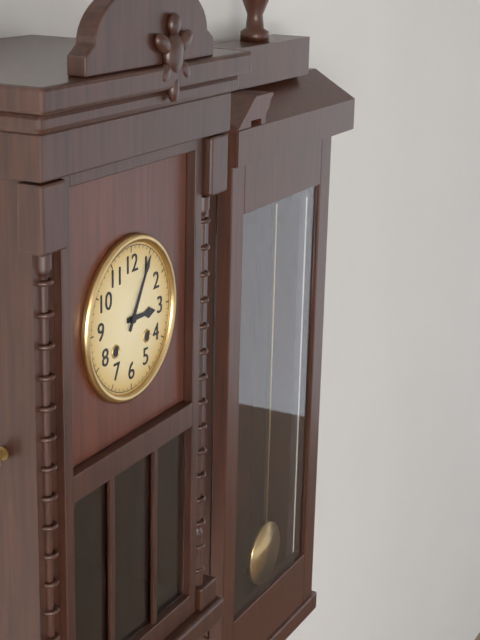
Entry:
3,05
